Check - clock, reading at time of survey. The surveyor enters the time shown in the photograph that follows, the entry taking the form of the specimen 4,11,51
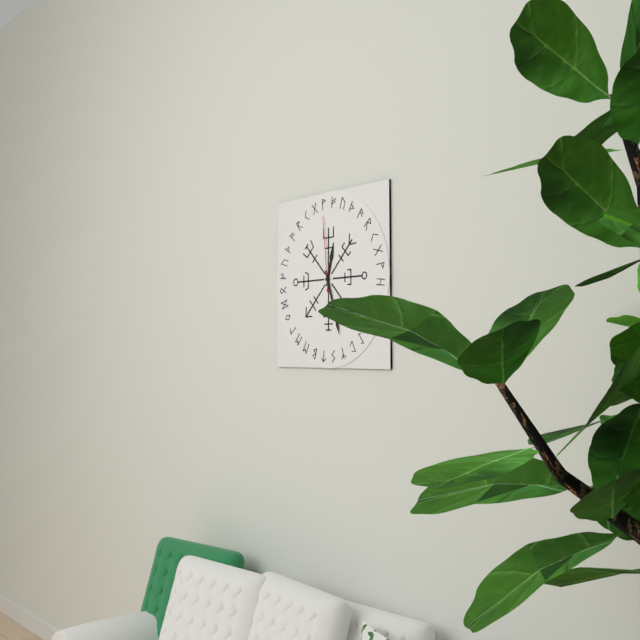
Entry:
12,27,59
